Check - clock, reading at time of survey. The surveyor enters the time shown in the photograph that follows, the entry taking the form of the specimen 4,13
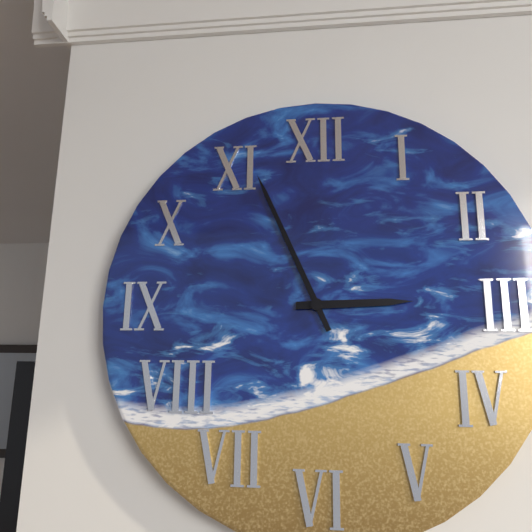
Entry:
2,56
